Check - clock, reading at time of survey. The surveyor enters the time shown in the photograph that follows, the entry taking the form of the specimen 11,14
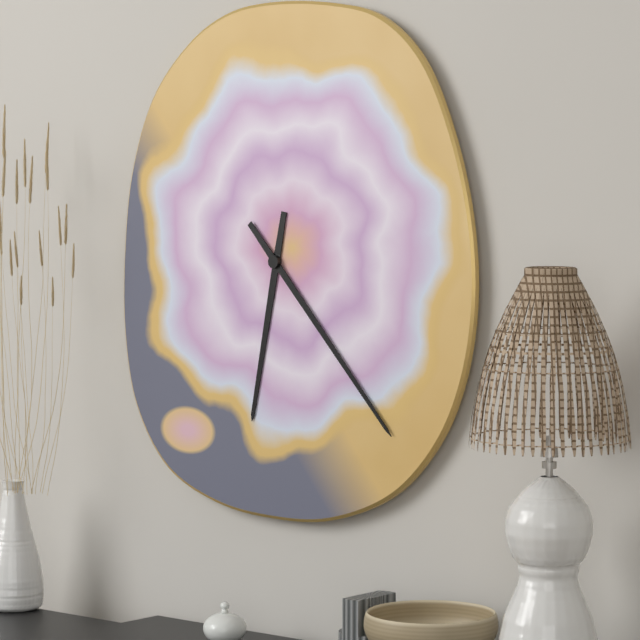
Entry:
6,23
